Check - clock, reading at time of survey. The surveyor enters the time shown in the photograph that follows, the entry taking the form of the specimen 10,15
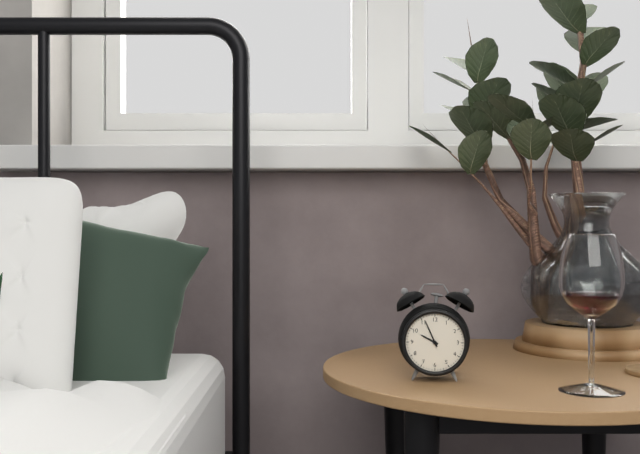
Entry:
9,56
